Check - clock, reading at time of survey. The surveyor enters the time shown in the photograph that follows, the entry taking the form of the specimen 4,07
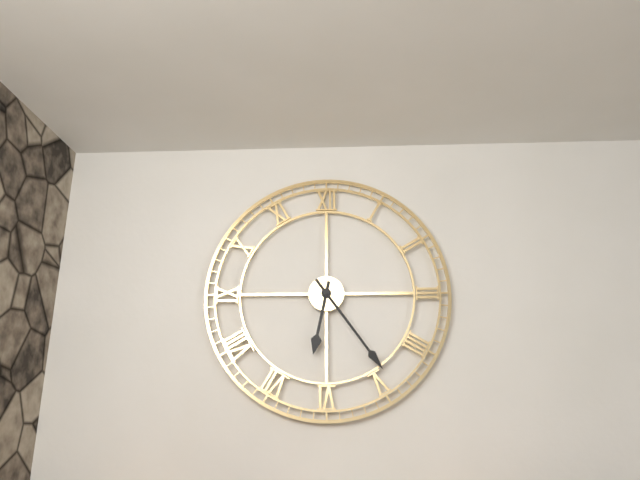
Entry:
6,24
